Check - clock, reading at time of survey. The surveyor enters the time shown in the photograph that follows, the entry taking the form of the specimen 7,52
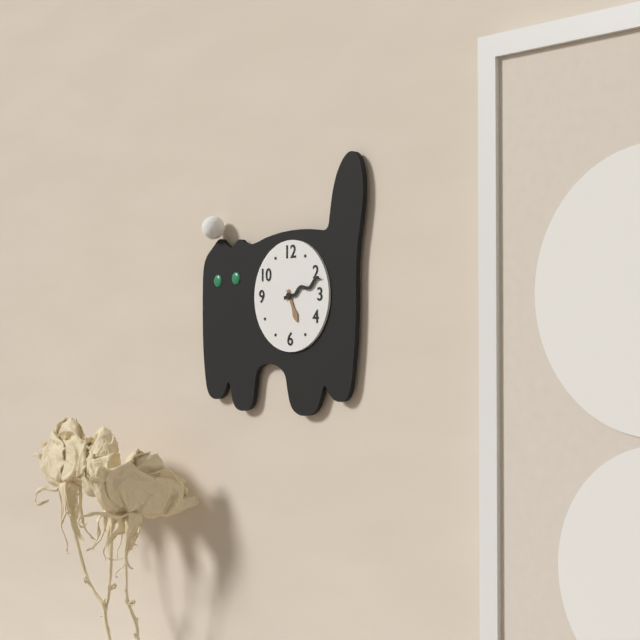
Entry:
5,12
